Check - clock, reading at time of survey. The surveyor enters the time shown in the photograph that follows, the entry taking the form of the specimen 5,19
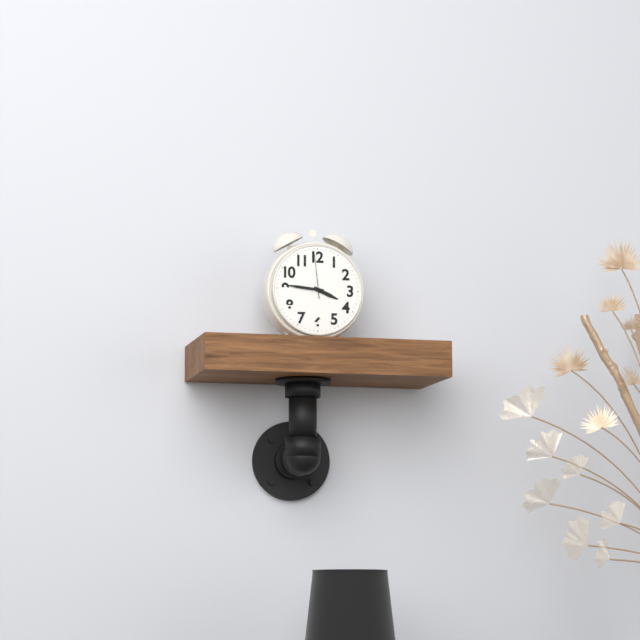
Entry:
3,46
